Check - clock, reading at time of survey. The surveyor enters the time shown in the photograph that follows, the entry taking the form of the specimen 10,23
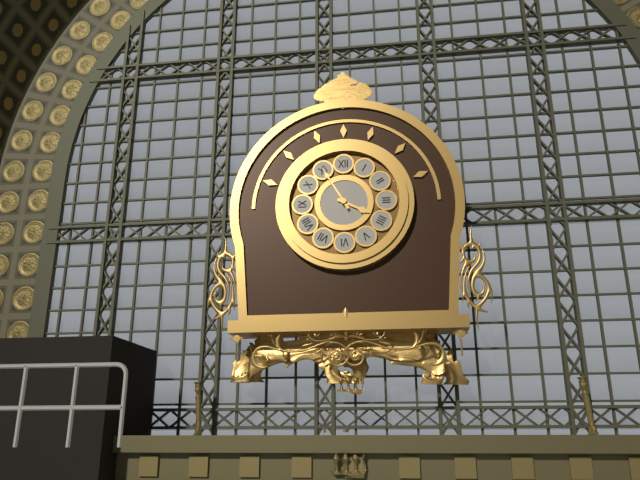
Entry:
3,55
